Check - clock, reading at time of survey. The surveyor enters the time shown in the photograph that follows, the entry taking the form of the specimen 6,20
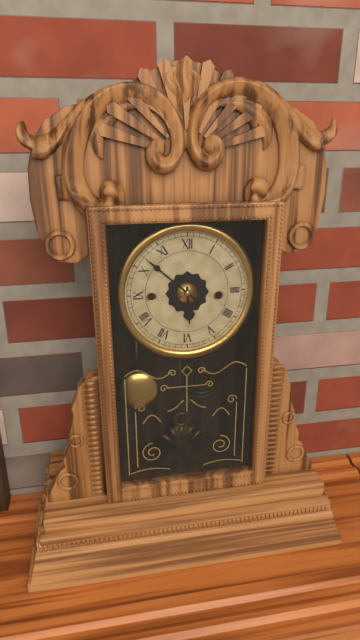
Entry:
5,52
